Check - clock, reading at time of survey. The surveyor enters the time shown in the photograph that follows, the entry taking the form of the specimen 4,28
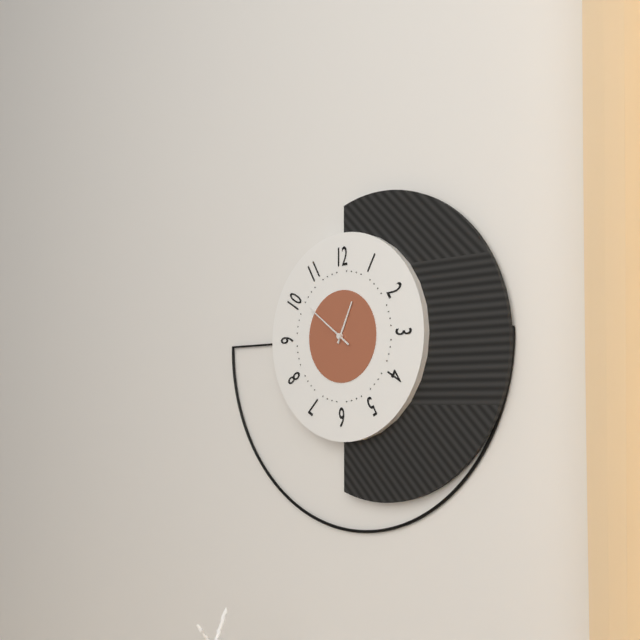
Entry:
12,51
